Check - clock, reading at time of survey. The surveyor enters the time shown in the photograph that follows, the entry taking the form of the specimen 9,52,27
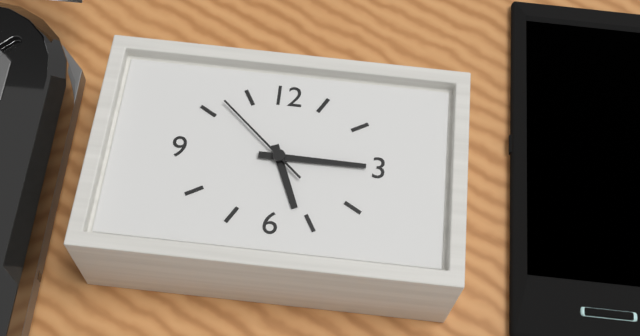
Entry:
5,15,52
